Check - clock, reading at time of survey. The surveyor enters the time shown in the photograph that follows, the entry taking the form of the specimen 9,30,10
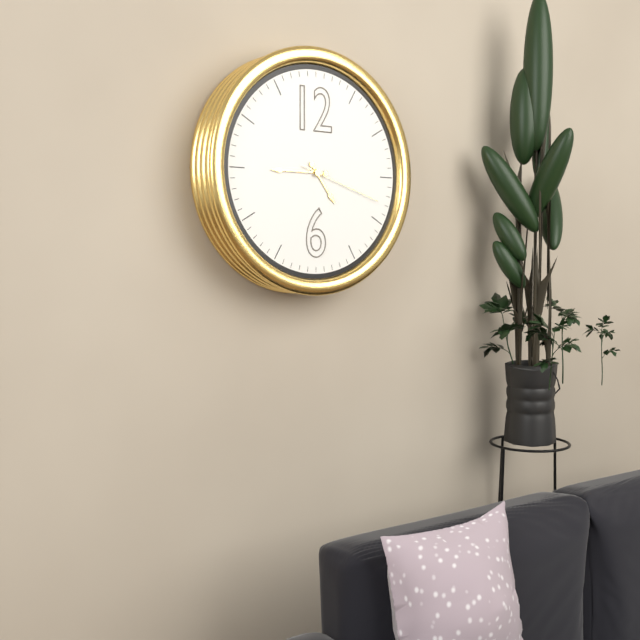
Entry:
4,45,18
